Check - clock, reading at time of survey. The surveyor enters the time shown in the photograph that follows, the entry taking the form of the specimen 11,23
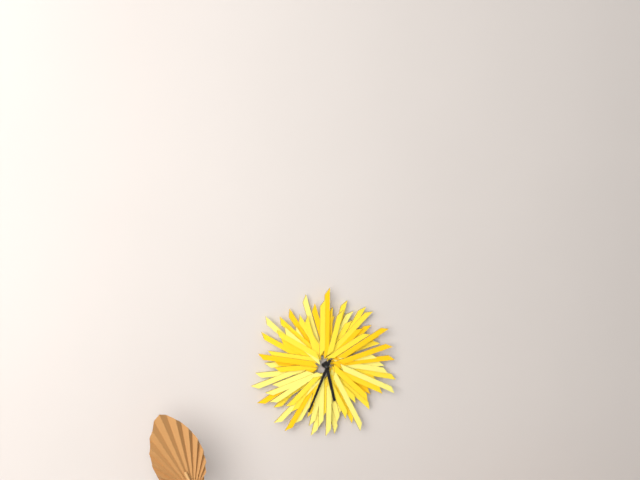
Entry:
5,34
